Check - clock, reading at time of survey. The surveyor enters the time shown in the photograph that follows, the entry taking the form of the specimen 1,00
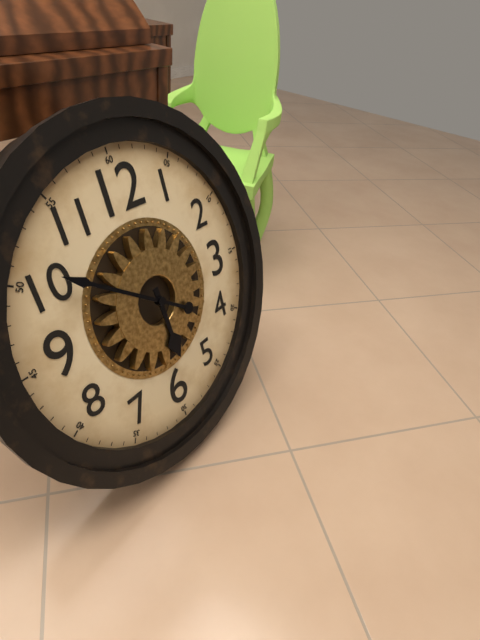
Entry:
5,51
